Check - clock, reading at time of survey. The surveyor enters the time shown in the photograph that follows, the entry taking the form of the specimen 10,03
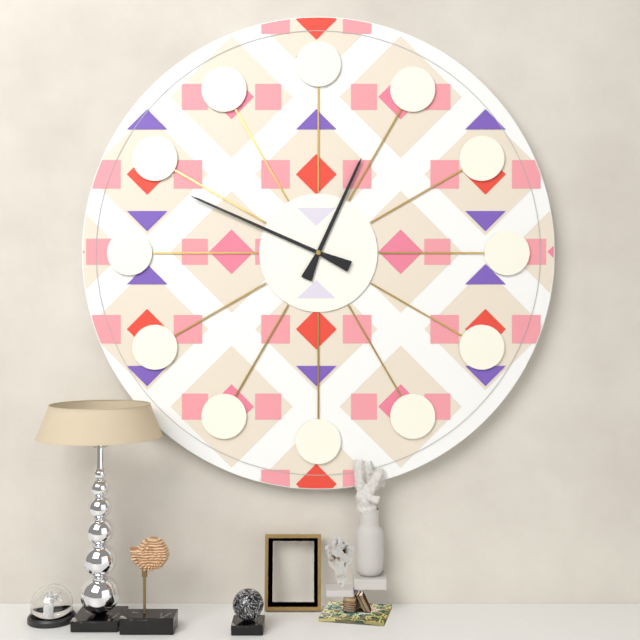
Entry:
12,49
